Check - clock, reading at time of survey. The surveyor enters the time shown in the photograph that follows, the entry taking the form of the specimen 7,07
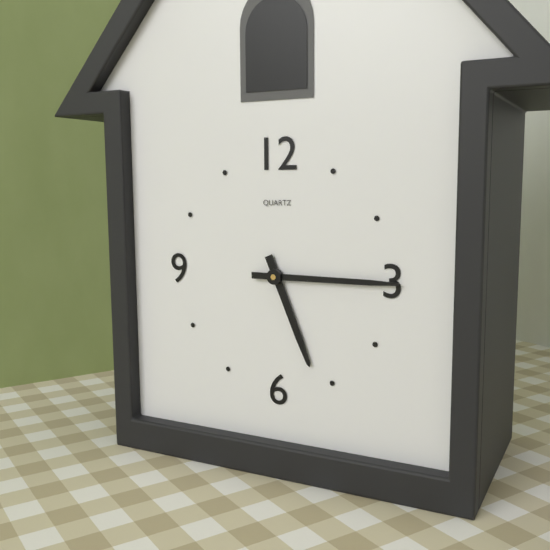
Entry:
5,15
